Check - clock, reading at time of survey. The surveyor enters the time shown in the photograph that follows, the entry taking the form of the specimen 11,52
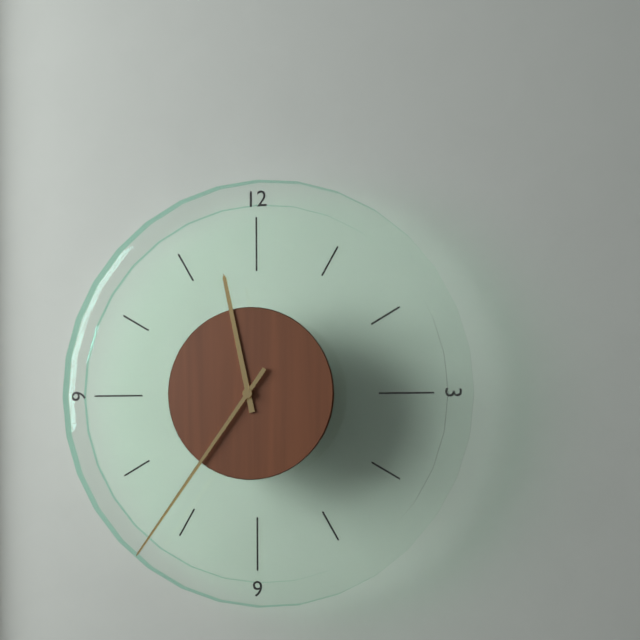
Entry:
11,36
